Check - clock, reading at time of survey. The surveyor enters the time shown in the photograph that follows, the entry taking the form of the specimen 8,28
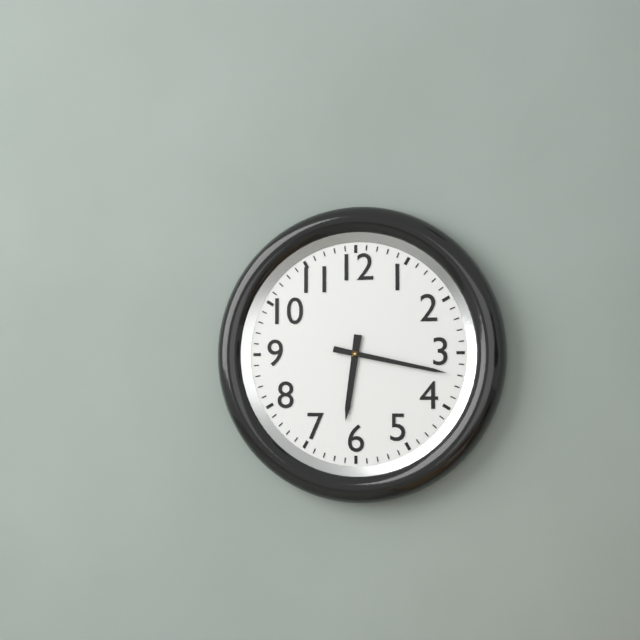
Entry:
6,17
